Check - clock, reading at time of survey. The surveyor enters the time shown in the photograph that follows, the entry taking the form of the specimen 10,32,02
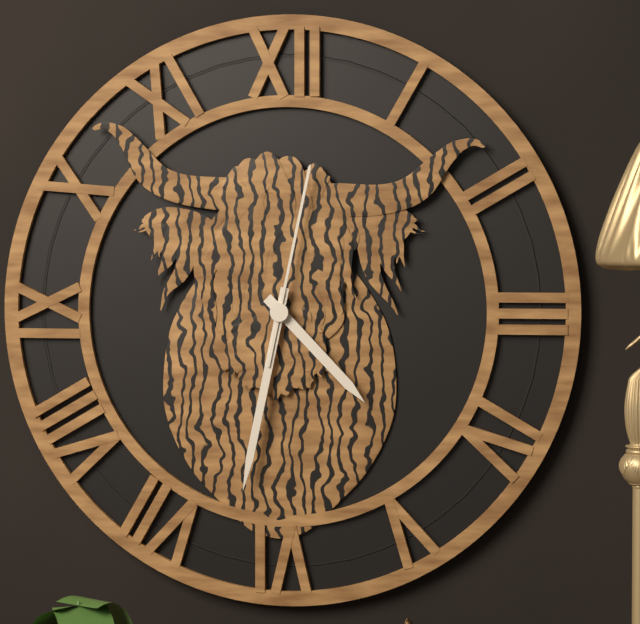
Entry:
4,32,02
